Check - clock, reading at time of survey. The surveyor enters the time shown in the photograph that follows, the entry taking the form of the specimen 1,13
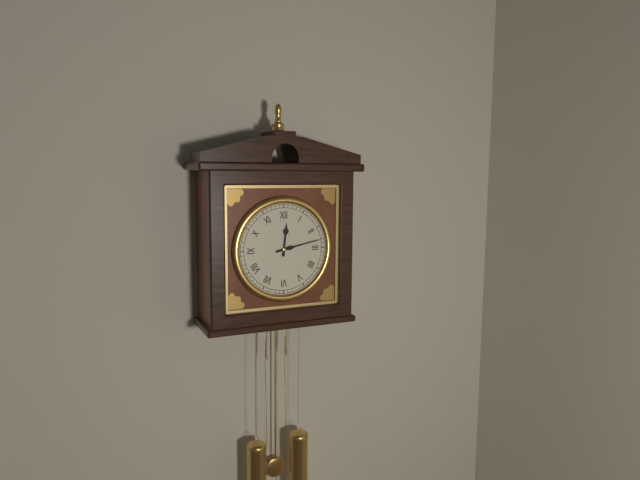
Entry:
12,13
